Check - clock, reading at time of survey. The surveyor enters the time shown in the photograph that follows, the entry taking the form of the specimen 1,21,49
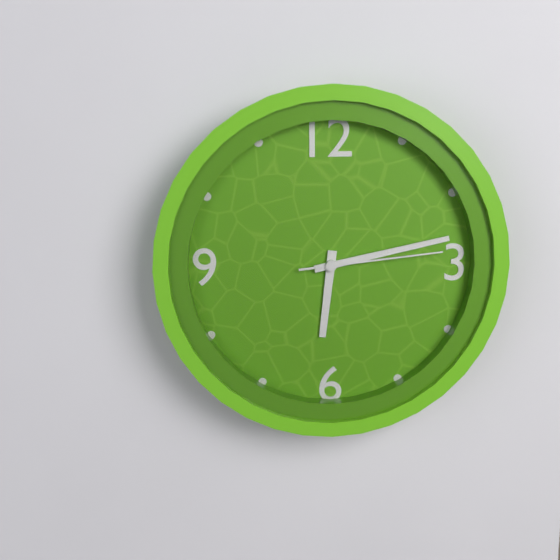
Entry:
6,13,14
